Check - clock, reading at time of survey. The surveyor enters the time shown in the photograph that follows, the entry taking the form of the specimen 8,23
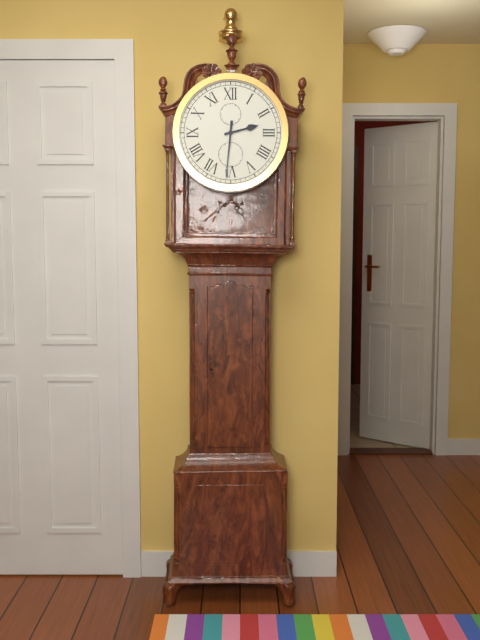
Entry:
2,31
